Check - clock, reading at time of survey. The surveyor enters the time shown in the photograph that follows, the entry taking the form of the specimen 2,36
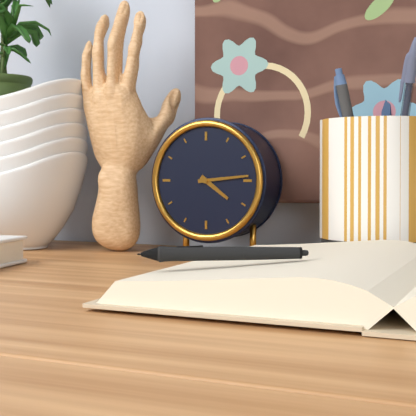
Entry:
4,14
